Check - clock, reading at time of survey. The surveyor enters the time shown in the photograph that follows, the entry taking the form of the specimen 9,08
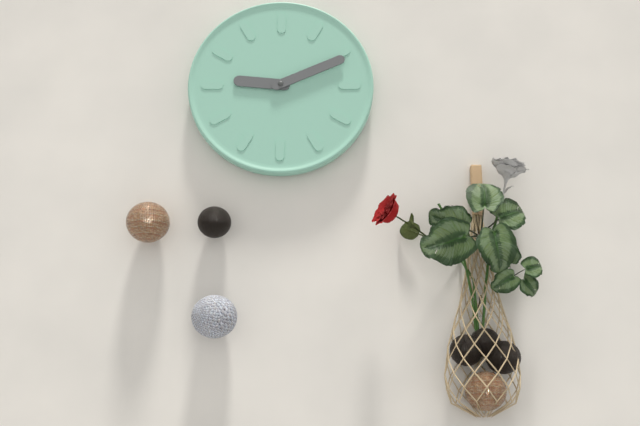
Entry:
9,11
